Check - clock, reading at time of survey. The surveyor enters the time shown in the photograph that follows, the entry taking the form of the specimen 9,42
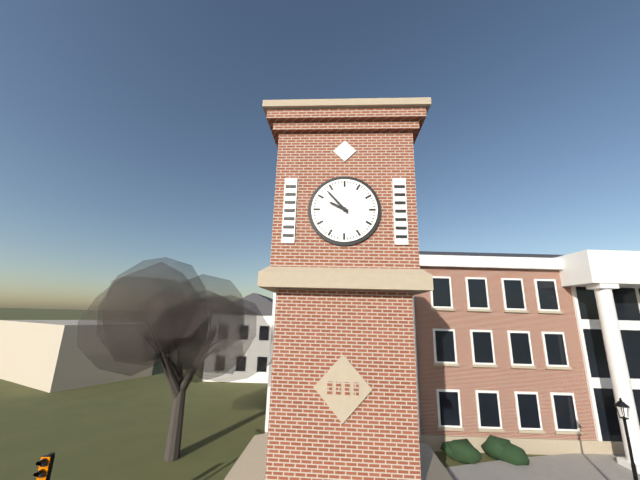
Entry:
9,53
